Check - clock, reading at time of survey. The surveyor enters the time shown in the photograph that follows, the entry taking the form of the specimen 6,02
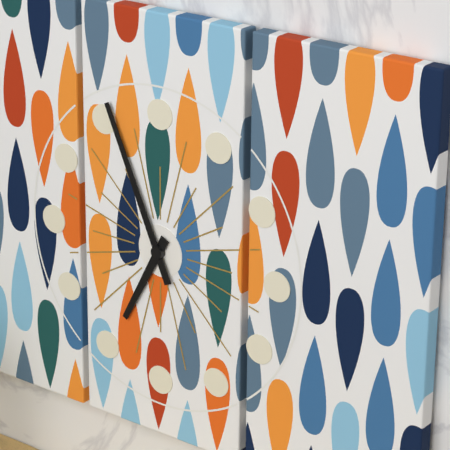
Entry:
6,56
